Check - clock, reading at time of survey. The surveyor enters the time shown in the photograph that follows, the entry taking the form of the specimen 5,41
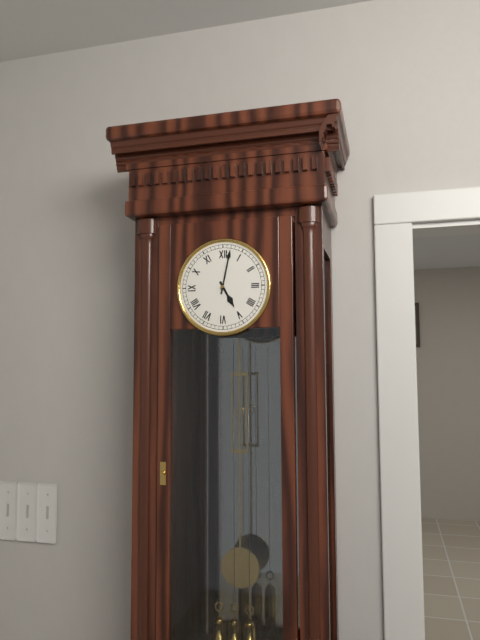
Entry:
5,02
